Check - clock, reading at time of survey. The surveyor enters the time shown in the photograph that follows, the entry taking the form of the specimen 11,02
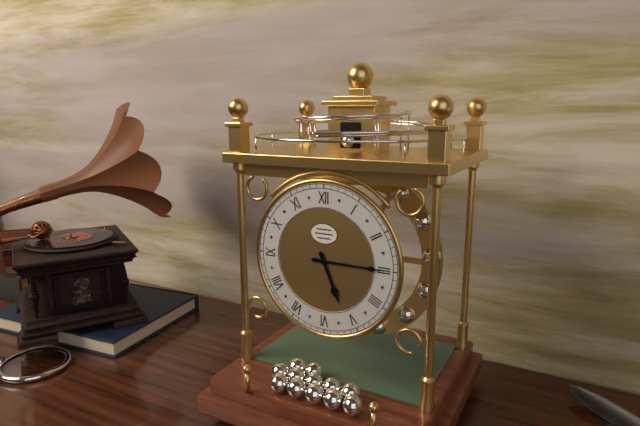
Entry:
5,15
